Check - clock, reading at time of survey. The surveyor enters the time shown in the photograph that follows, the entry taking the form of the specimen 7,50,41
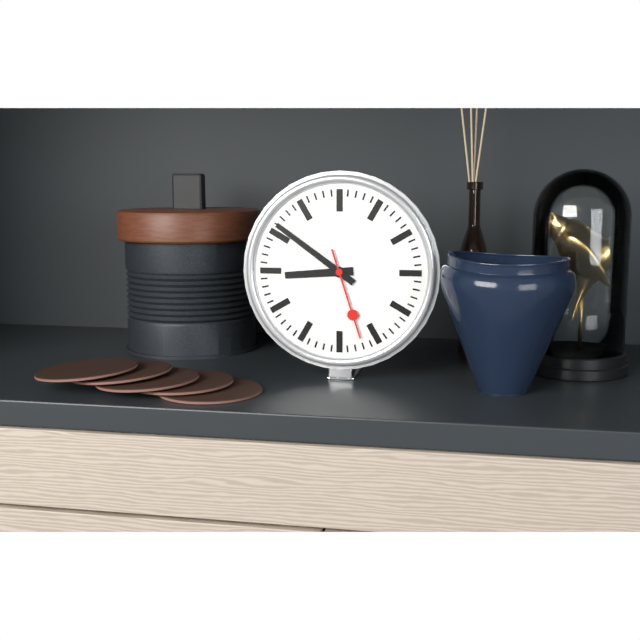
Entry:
8,51,27
